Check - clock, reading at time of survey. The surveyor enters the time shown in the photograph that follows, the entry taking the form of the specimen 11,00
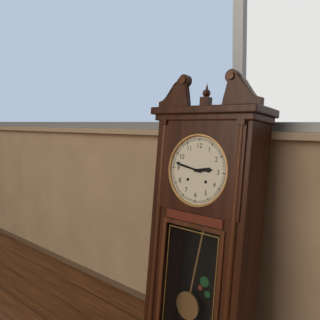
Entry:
2,47
